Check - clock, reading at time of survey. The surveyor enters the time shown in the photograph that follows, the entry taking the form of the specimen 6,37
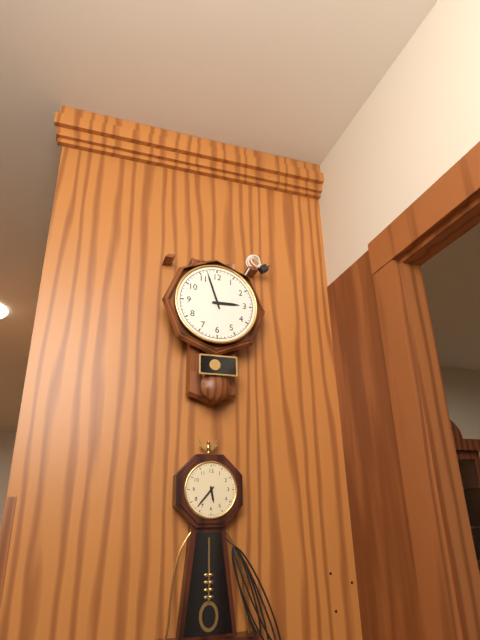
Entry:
2,57
